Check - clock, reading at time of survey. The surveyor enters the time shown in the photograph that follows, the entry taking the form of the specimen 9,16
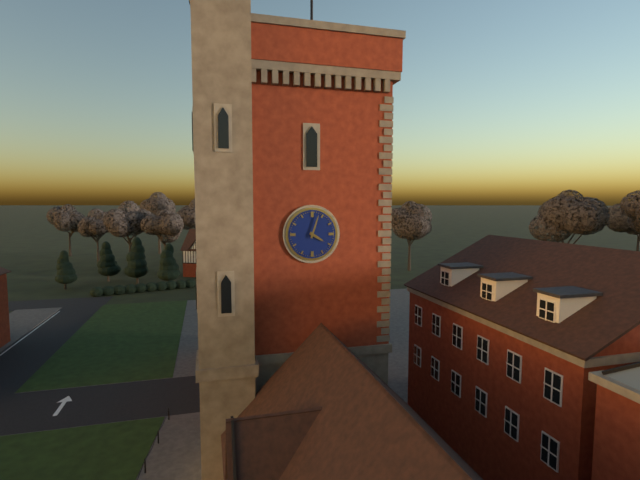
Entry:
4,03
